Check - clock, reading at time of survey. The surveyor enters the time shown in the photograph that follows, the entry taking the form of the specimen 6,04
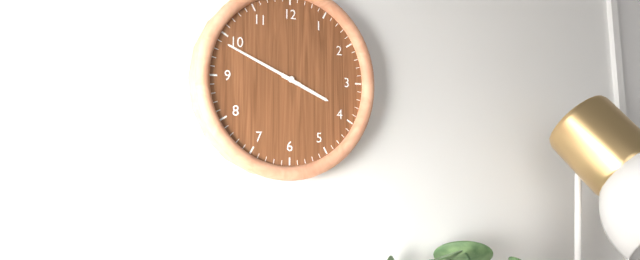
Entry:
3,49
